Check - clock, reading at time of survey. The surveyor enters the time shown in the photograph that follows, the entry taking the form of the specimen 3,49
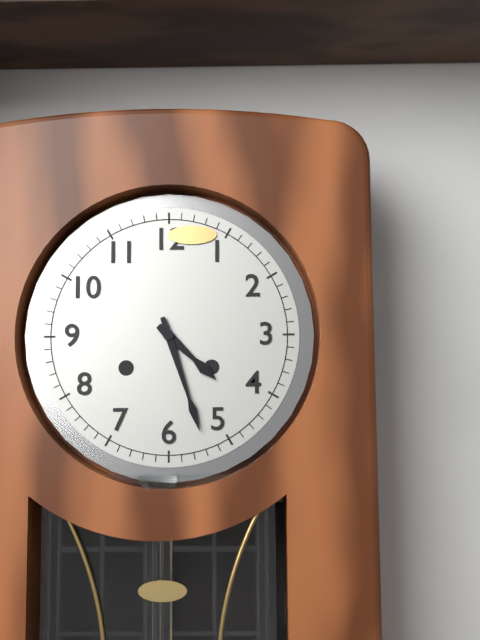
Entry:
4,27
